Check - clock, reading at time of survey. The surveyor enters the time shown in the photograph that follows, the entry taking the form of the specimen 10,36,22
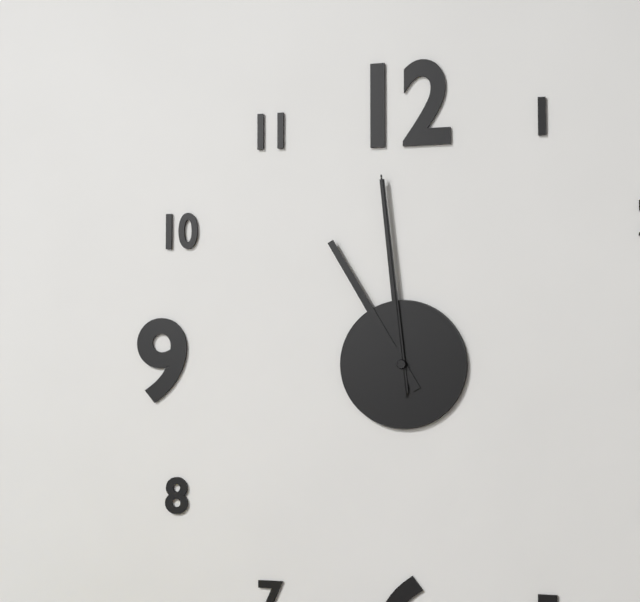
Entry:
10,59,59
